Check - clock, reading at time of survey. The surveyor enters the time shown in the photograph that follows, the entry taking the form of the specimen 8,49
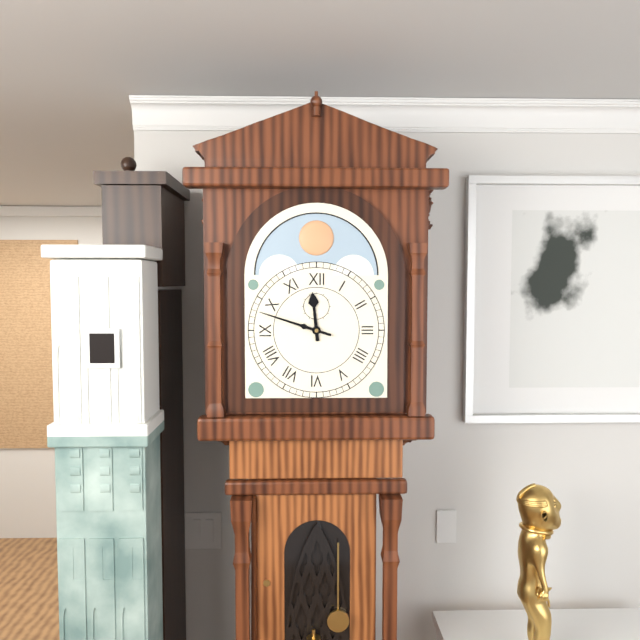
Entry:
11,48
